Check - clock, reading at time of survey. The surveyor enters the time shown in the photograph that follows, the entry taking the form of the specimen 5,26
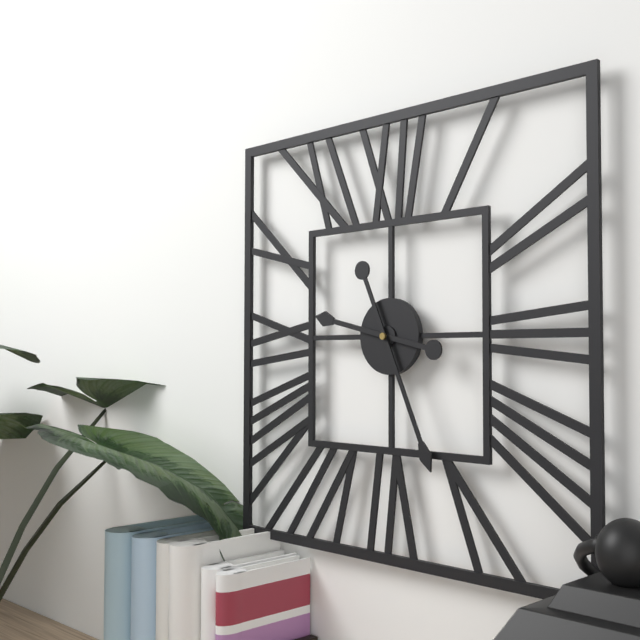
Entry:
9,26
